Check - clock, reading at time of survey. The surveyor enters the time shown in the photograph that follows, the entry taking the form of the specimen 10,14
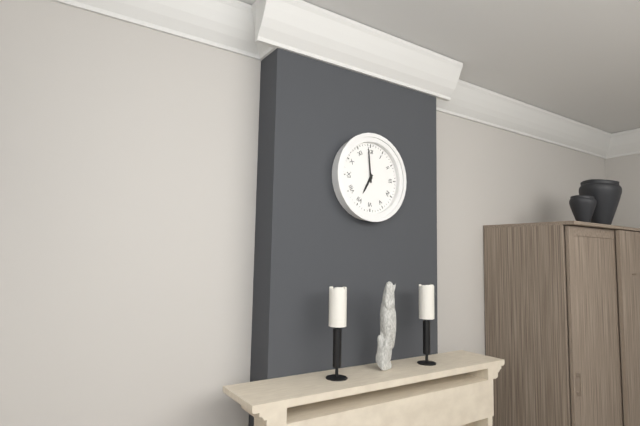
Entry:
6,59
